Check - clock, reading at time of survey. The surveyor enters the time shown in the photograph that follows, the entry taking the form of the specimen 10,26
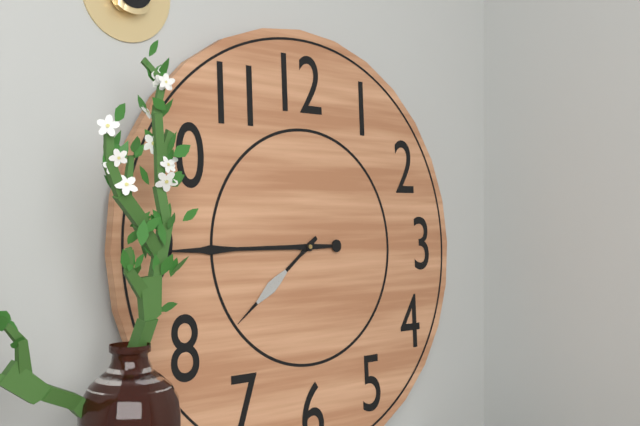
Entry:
7,45
